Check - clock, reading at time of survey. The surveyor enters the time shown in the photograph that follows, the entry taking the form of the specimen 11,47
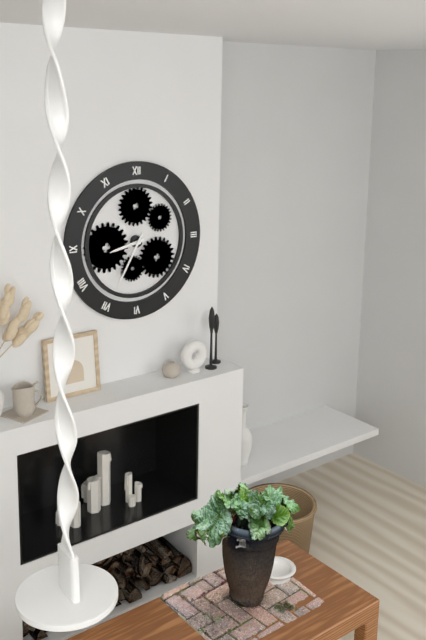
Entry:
8,35
